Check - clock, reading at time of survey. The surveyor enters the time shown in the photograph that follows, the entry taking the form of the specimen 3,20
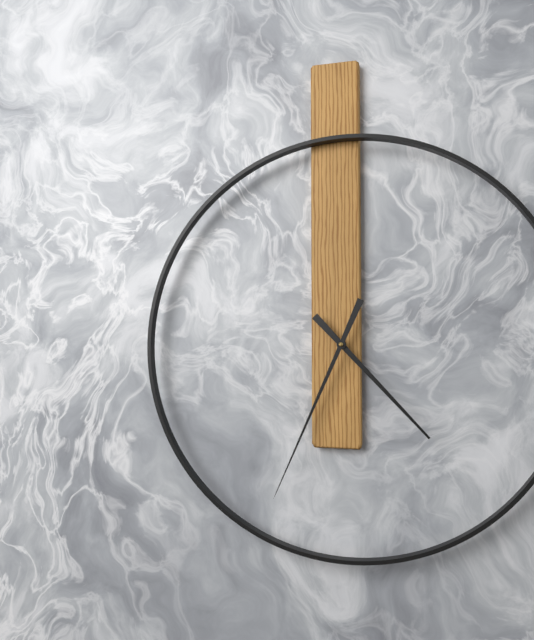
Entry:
4,34
